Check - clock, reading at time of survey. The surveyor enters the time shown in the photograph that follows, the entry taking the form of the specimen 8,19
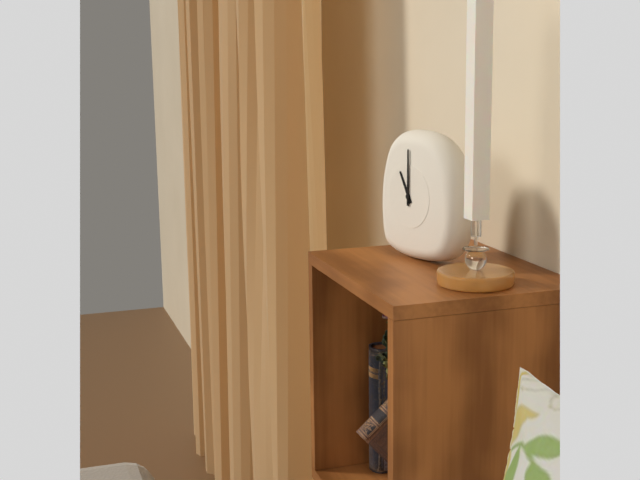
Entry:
11,00
